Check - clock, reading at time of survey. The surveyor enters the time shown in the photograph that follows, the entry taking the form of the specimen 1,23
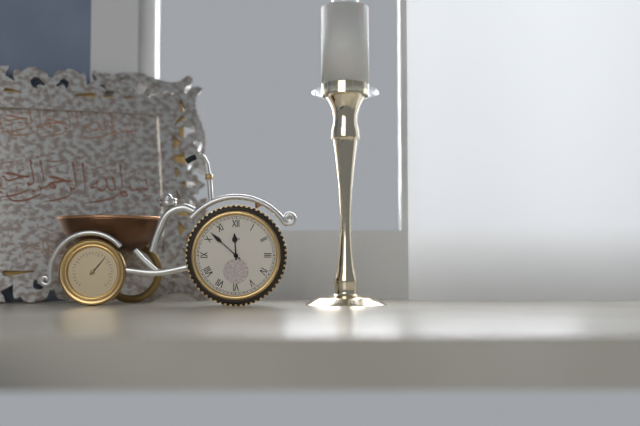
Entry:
11,52
